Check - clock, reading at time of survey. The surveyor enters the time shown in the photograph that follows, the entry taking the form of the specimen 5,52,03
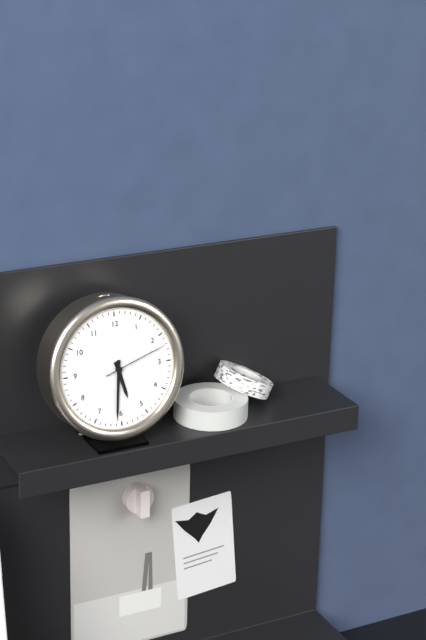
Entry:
5,31,12
